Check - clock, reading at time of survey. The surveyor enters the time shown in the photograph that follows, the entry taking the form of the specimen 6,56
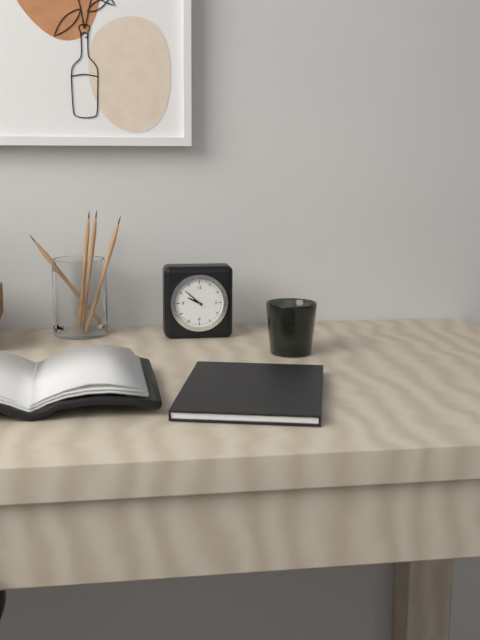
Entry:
9,52
